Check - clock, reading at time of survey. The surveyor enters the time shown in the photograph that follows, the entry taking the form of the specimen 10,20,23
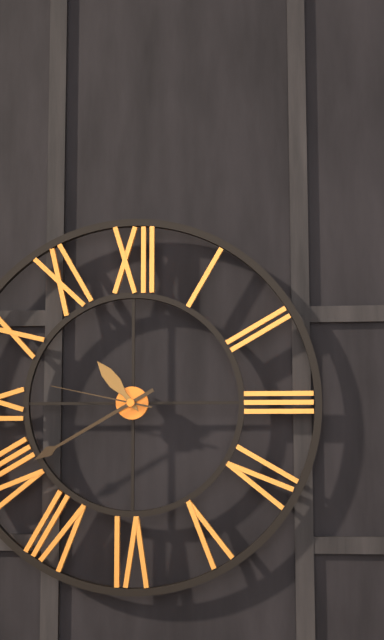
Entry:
10,40,47
